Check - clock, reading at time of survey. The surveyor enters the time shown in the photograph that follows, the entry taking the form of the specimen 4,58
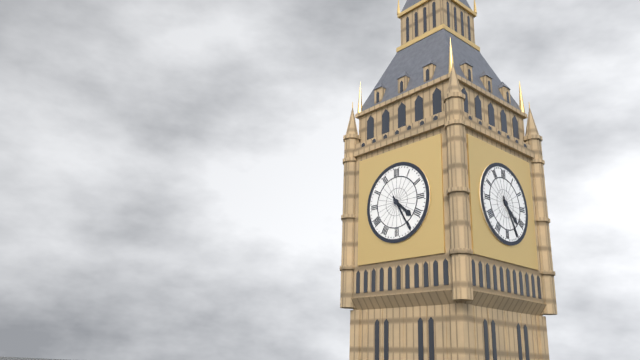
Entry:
4,25
